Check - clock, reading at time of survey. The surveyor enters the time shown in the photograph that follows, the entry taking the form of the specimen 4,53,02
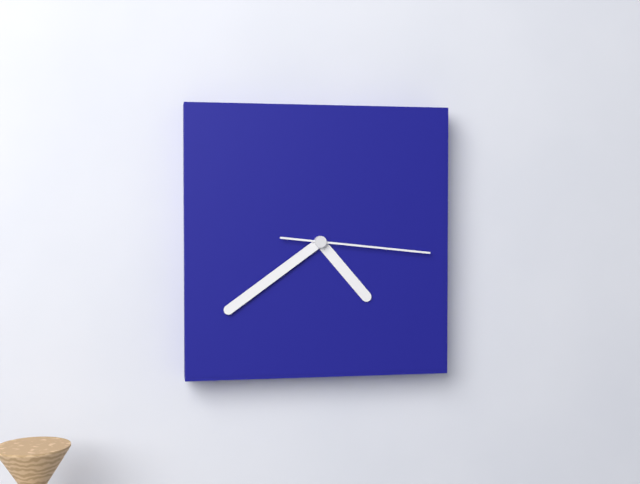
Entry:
4,39,16
